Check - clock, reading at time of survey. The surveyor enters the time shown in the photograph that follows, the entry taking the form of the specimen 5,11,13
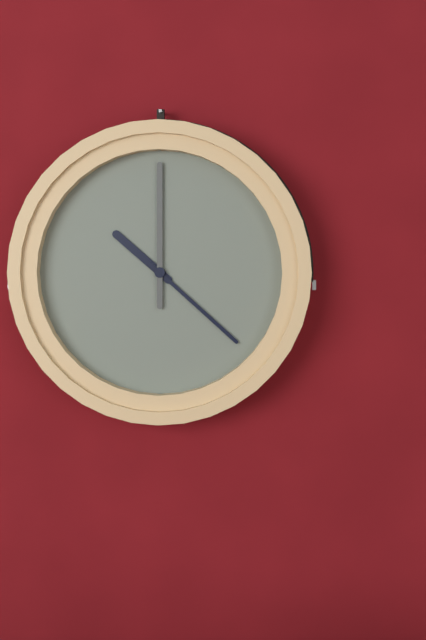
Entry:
10,22,00
